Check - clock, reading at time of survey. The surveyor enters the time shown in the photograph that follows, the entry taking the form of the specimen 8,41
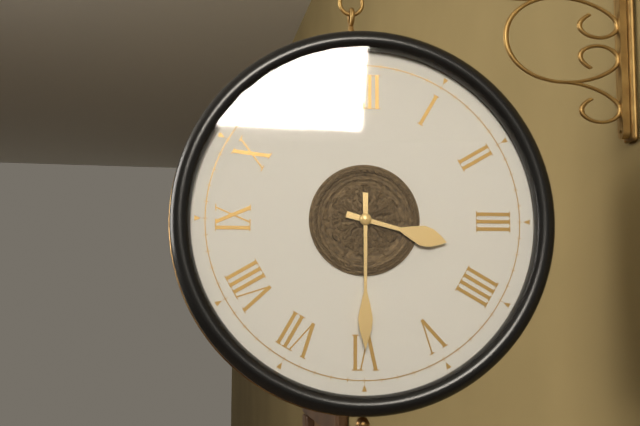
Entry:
3,30
